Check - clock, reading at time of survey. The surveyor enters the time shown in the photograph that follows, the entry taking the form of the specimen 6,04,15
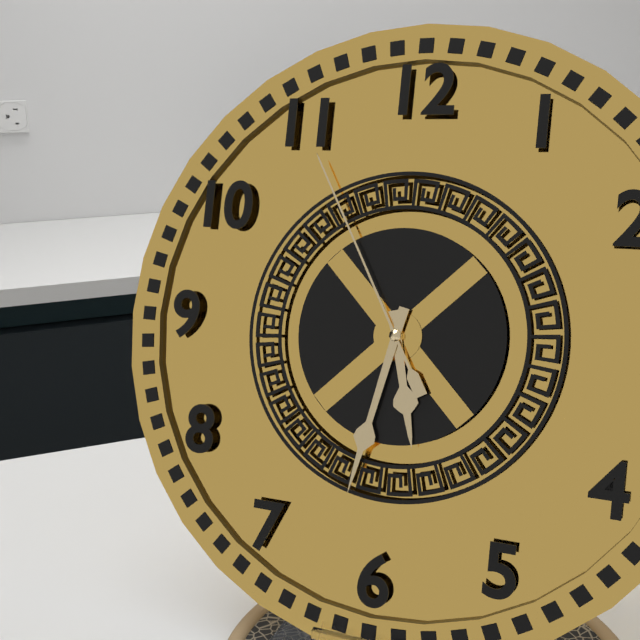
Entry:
5,32,55
